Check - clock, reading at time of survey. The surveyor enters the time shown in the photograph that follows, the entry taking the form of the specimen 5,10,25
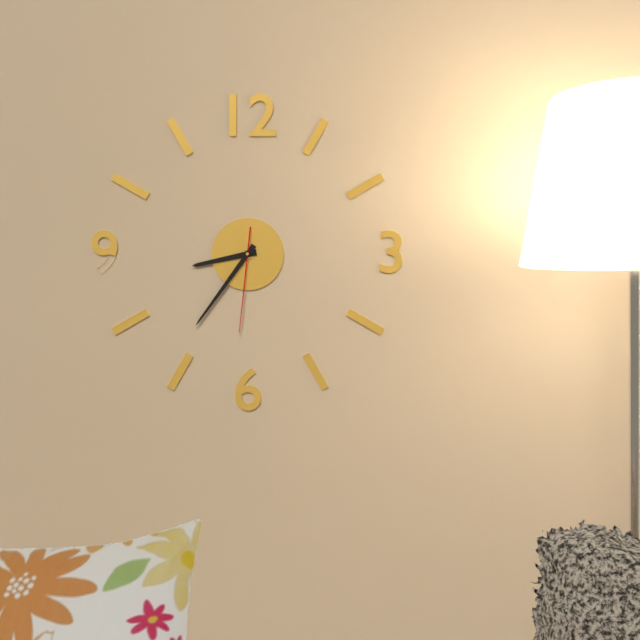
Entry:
8,36,31
